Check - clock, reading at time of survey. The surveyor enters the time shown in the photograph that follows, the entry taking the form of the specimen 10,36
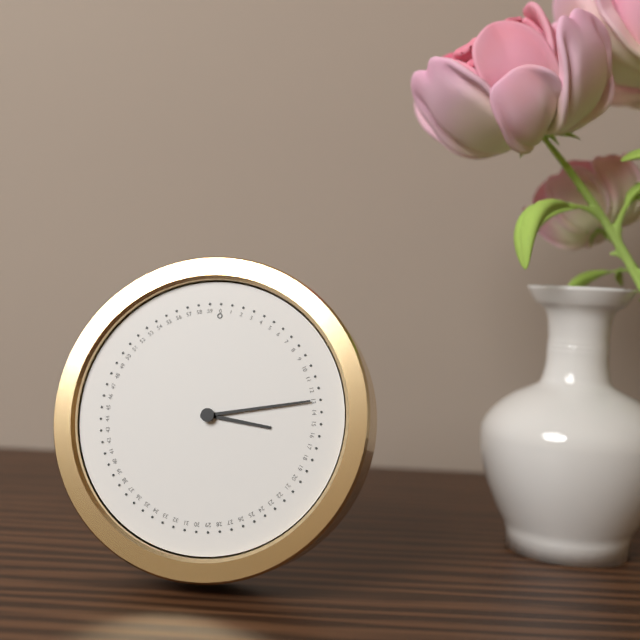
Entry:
3,13
